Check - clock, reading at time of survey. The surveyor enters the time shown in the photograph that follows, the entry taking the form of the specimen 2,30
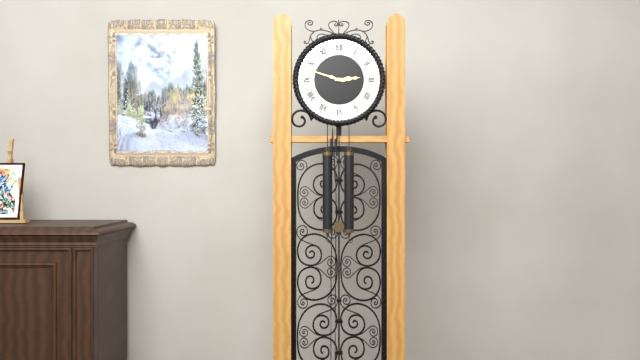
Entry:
2,48
